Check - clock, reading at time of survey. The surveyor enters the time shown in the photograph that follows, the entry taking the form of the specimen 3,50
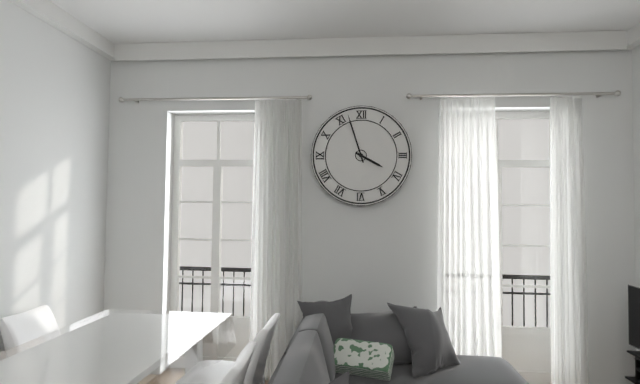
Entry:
3,57
